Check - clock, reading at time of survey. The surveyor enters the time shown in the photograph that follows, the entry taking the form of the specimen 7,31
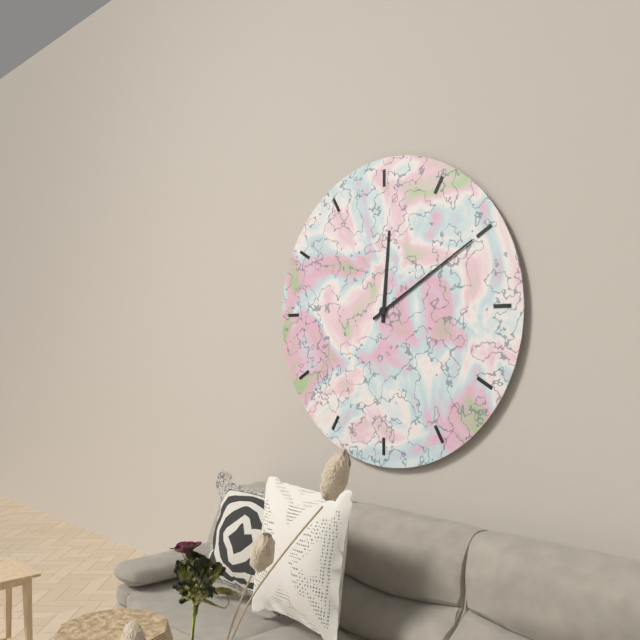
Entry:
12,10
